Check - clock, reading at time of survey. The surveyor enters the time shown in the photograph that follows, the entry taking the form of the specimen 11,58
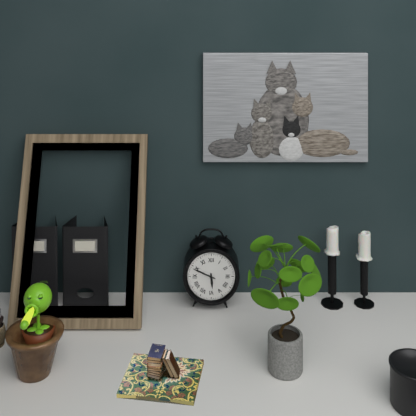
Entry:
5,49
